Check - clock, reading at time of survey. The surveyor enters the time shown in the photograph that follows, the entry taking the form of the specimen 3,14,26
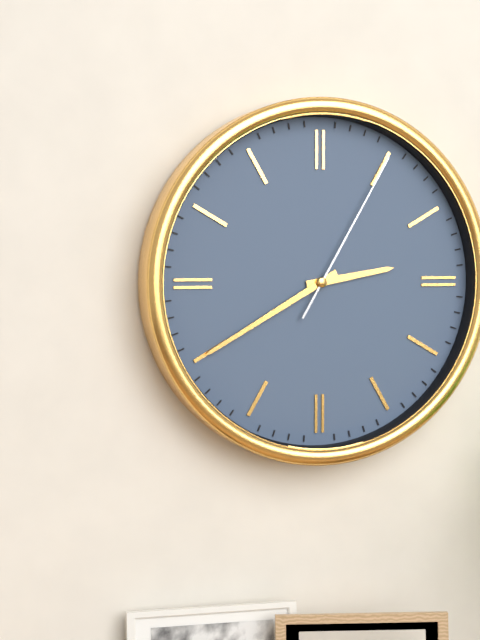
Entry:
2,40,05
